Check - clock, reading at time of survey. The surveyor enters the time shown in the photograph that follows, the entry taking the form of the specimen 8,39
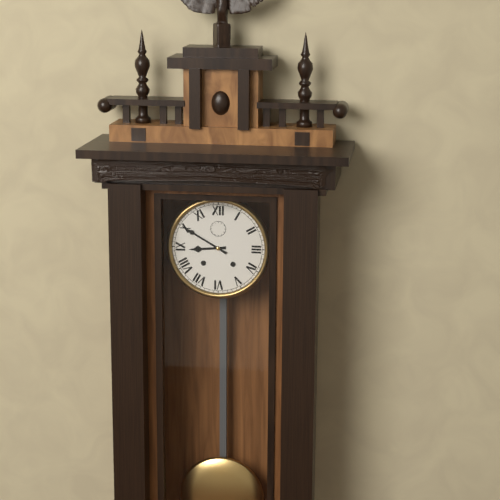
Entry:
8,50
